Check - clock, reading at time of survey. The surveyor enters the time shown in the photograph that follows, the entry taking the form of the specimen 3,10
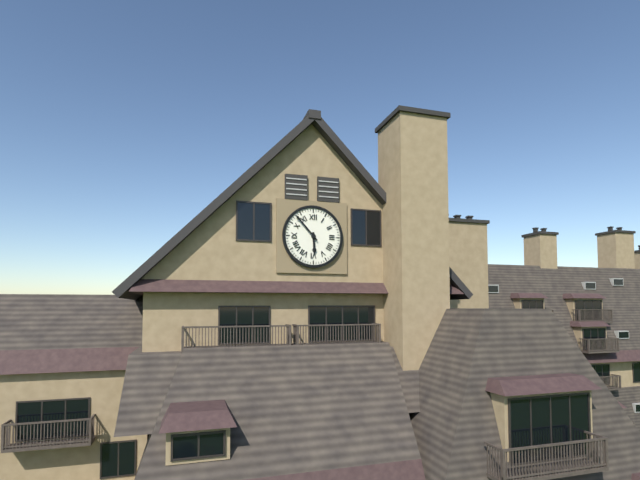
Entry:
5,53
